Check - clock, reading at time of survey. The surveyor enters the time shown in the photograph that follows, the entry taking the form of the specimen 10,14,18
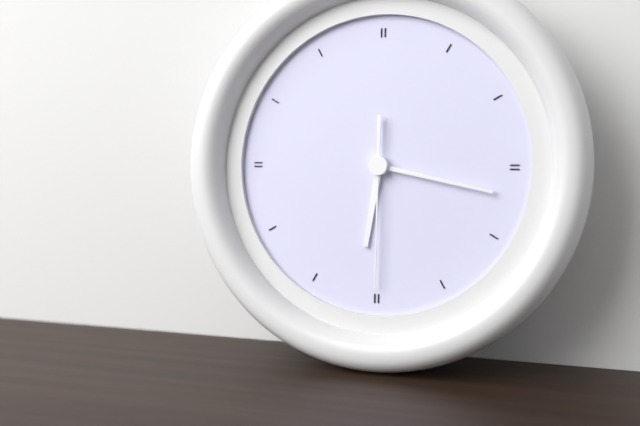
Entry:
6,17,30
